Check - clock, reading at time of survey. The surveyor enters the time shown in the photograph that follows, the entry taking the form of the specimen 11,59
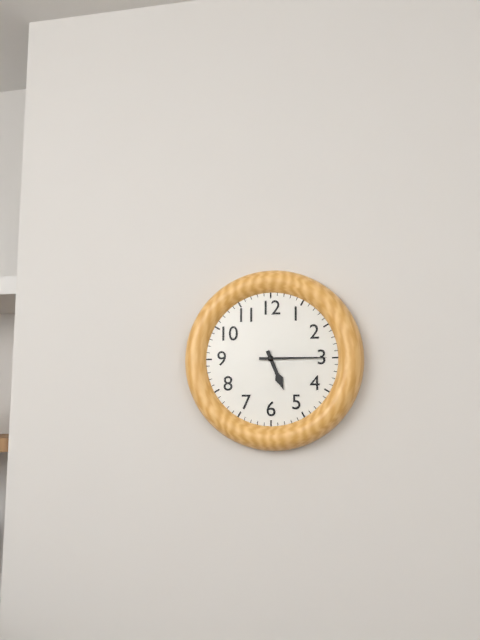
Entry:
5,15
